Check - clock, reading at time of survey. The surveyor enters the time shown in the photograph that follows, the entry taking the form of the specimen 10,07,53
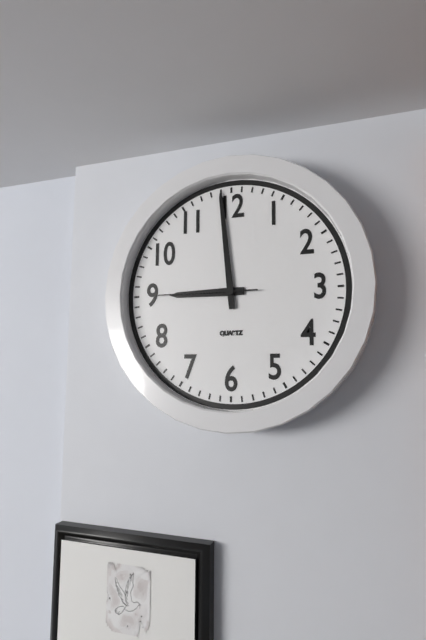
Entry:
8,59,45
